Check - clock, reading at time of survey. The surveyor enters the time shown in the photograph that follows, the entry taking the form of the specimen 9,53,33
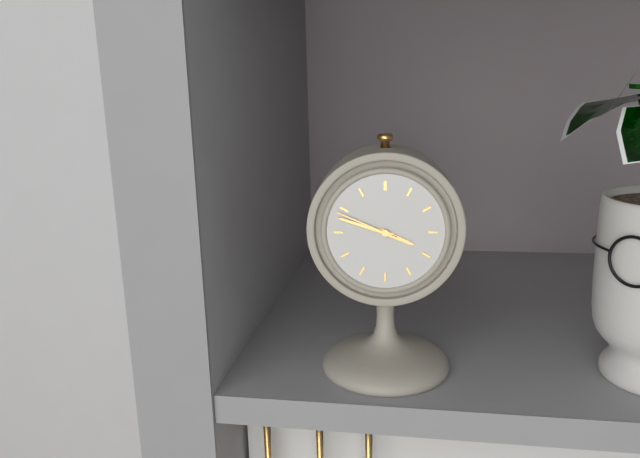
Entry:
3,48,49
